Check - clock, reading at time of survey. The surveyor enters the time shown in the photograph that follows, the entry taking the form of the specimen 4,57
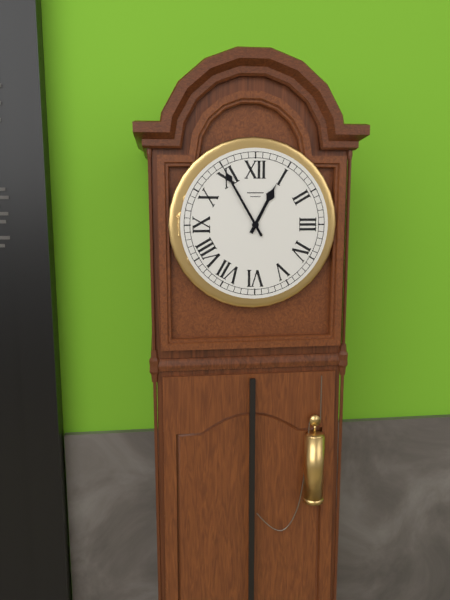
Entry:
12,55
